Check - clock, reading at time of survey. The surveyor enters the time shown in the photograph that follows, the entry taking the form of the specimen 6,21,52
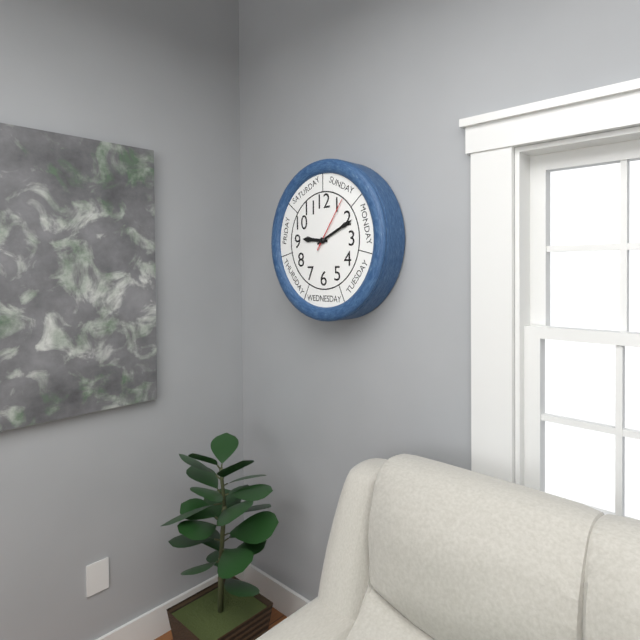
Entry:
9,11,06
